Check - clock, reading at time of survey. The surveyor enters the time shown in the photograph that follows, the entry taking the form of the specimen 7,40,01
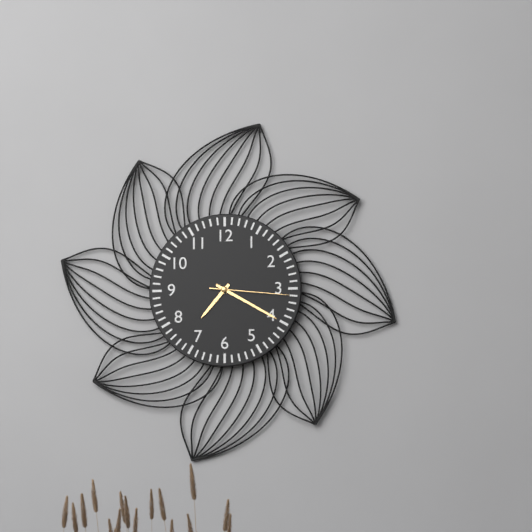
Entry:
7,20,16
